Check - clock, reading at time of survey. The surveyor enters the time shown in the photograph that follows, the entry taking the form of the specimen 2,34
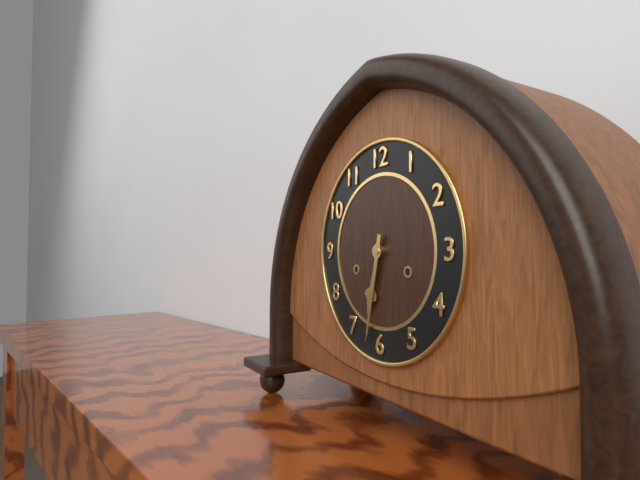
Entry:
6,32
